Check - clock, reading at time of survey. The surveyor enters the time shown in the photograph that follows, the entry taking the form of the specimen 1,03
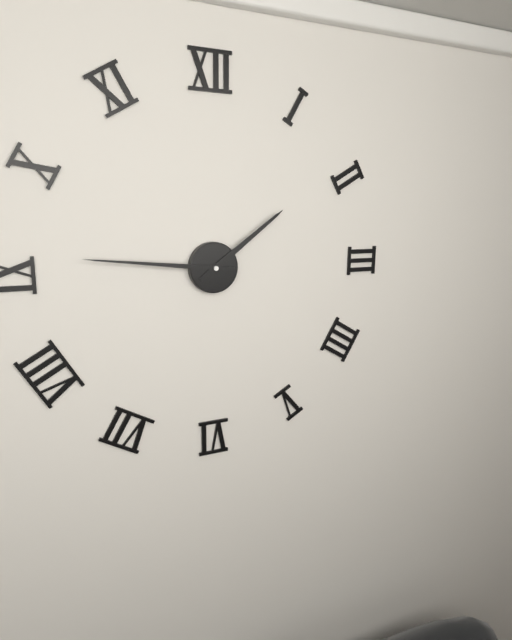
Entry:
1,46
